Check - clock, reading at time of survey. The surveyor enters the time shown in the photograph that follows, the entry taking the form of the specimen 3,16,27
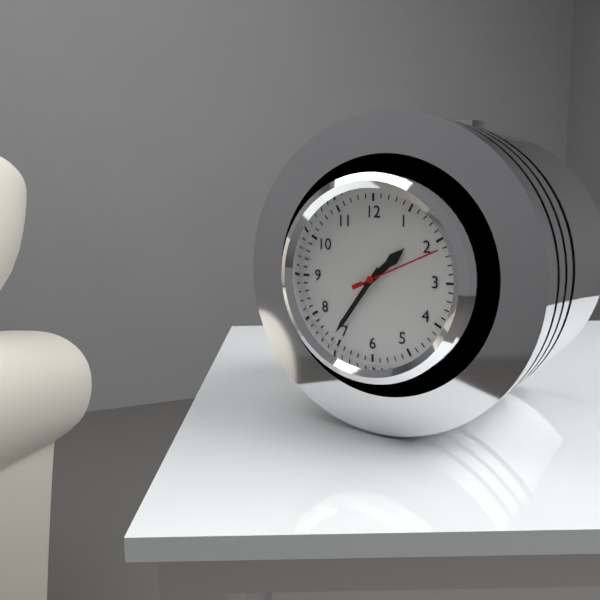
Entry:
1,36,11
